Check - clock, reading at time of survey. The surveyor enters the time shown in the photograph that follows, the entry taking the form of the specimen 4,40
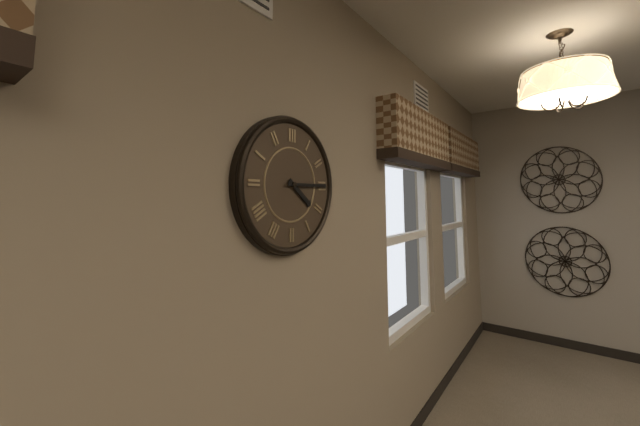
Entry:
4,15
